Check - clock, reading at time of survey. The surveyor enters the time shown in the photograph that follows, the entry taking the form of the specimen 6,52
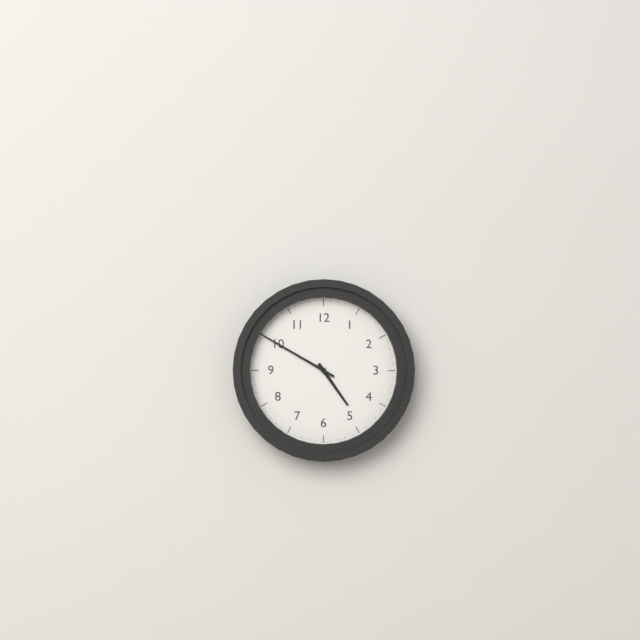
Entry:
4,50
